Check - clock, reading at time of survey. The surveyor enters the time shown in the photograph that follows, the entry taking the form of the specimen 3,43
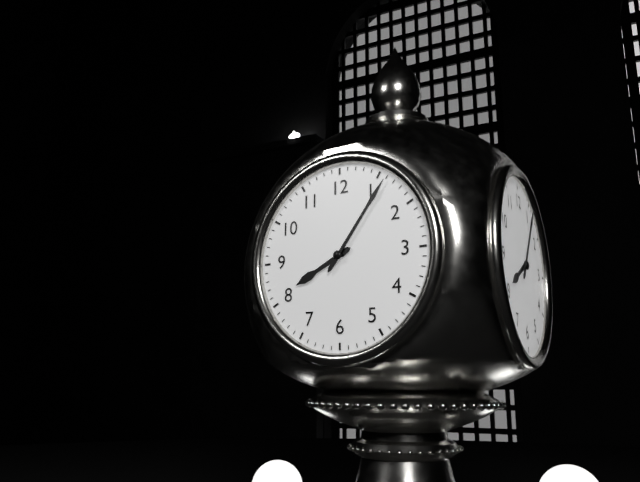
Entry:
8,06
